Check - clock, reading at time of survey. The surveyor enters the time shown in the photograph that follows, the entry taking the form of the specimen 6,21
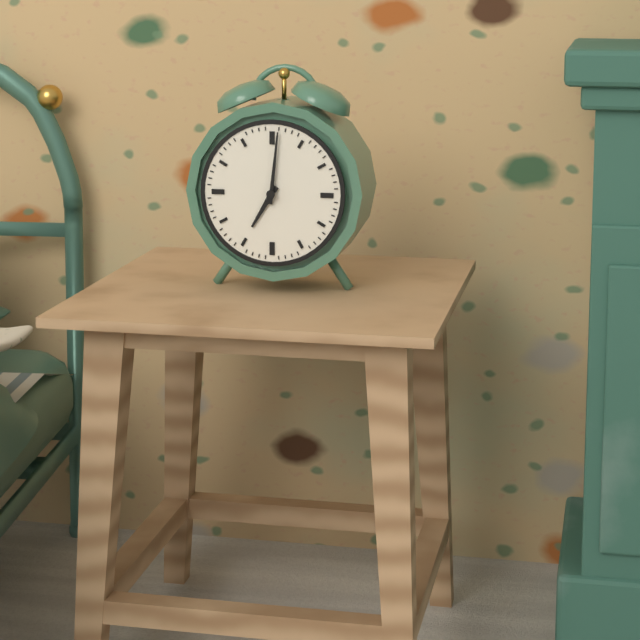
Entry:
7,01
